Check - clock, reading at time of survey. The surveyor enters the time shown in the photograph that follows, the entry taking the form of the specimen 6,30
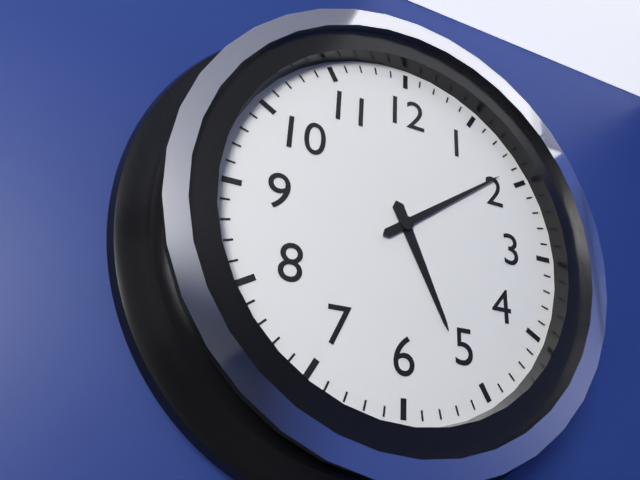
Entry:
5,09
